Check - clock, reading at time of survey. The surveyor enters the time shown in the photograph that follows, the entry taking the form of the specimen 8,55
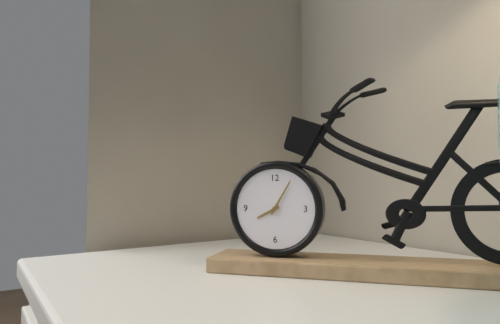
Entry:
8,05
